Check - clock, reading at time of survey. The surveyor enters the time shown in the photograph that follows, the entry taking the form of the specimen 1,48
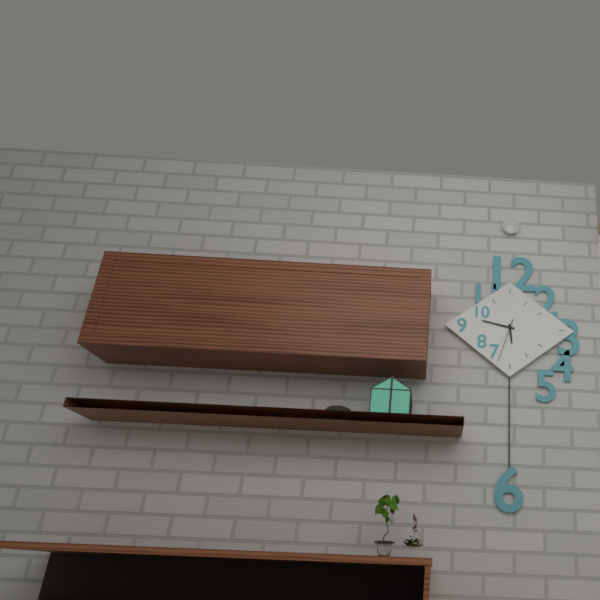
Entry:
5,47
